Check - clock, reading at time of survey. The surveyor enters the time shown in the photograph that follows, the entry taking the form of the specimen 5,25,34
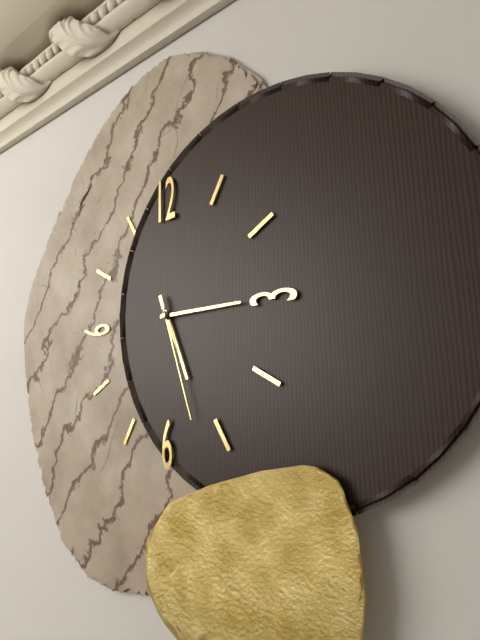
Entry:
5,15,27
